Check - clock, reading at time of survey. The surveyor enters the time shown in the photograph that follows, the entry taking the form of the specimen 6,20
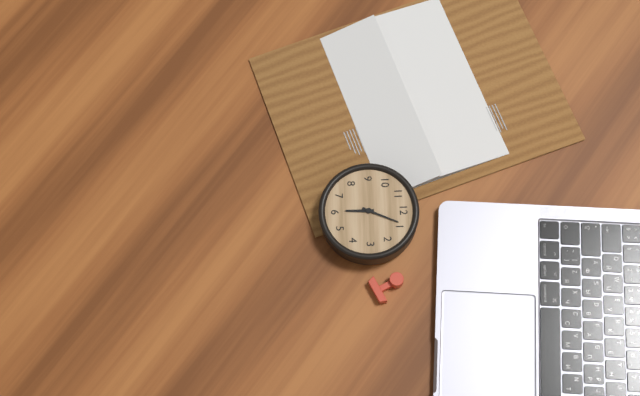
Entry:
6,04
